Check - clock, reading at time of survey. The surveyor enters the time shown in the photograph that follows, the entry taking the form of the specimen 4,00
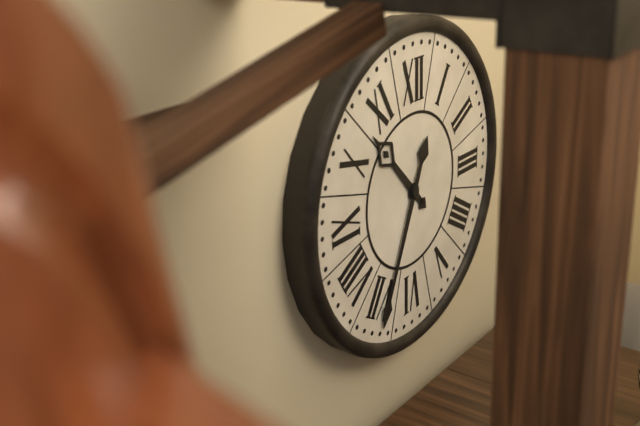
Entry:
10,34
